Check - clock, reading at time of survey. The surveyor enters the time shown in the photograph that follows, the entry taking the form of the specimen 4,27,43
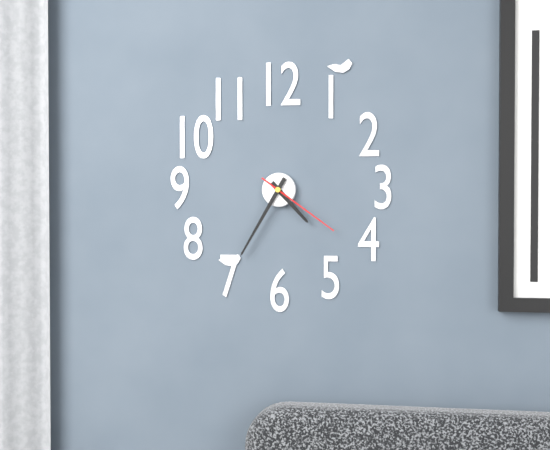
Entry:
4,35,21
